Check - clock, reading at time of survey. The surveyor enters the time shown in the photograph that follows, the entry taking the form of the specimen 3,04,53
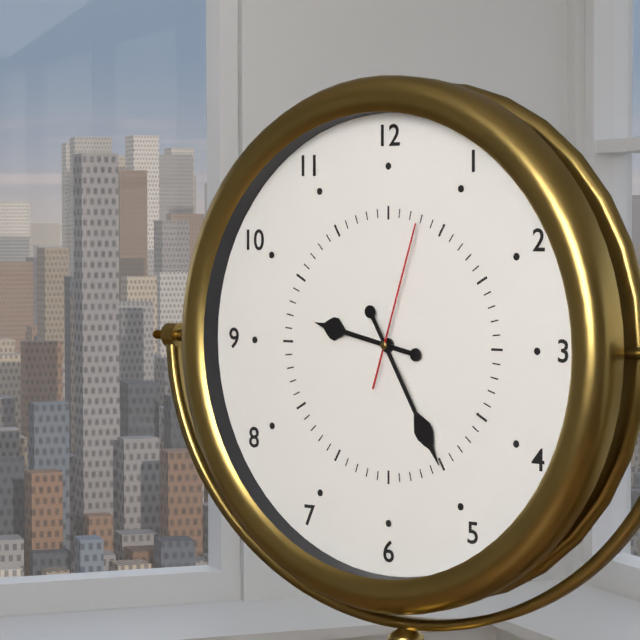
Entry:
9,25,03
